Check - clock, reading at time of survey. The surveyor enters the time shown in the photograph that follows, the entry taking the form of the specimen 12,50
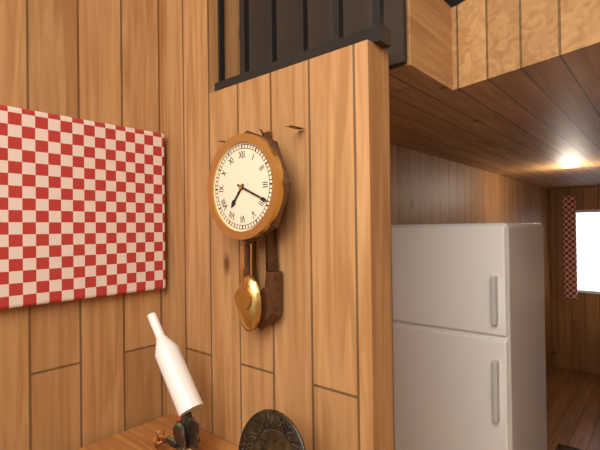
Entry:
7,19
